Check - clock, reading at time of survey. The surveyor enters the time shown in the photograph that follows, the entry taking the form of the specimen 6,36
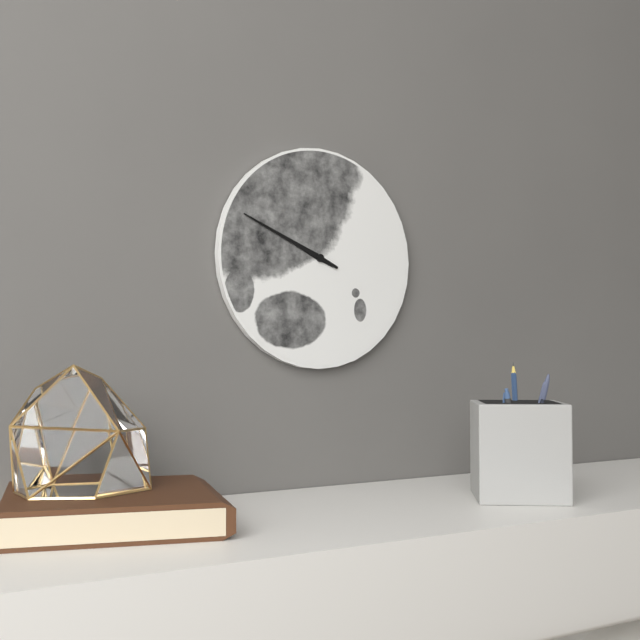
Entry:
9,49
